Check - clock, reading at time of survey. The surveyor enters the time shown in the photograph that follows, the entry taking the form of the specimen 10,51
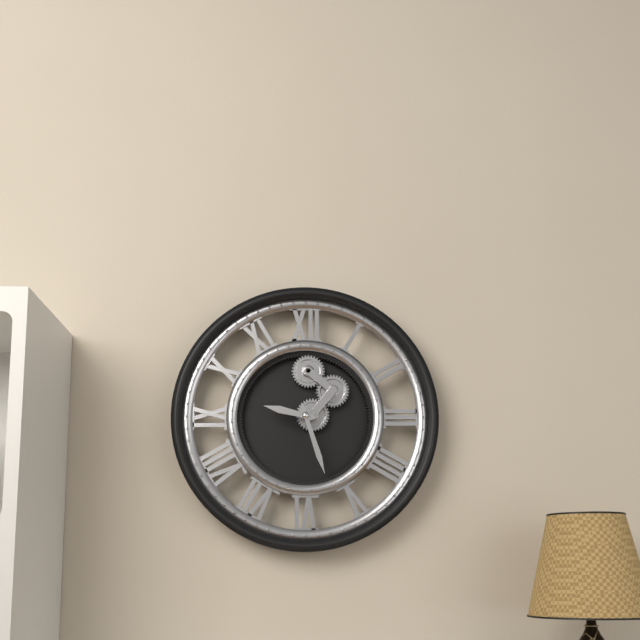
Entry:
9,27
